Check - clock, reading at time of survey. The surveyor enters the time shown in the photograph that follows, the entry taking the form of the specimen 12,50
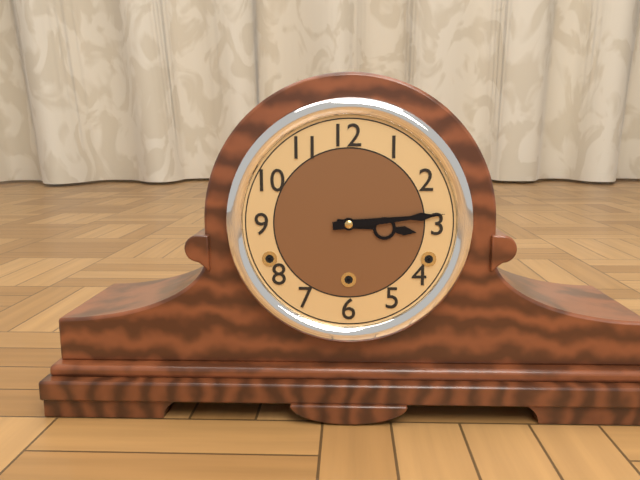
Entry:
3,14
